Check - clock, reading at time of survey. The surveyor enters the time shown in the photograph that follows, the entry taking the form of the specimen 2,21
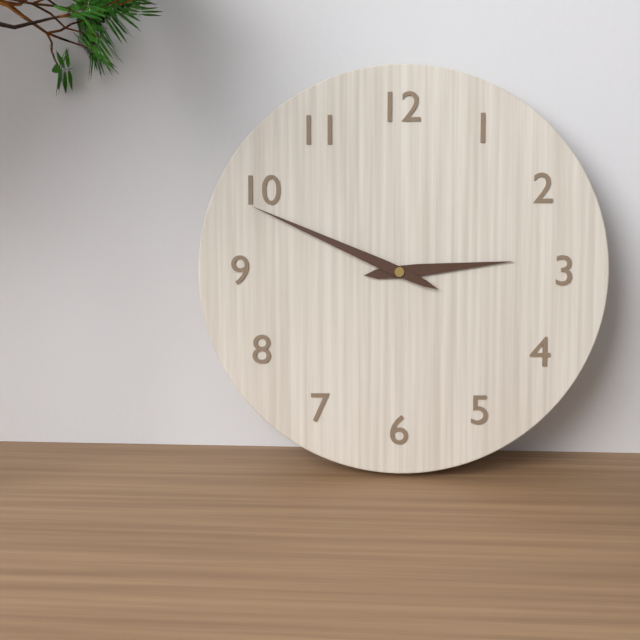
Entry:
2,49
